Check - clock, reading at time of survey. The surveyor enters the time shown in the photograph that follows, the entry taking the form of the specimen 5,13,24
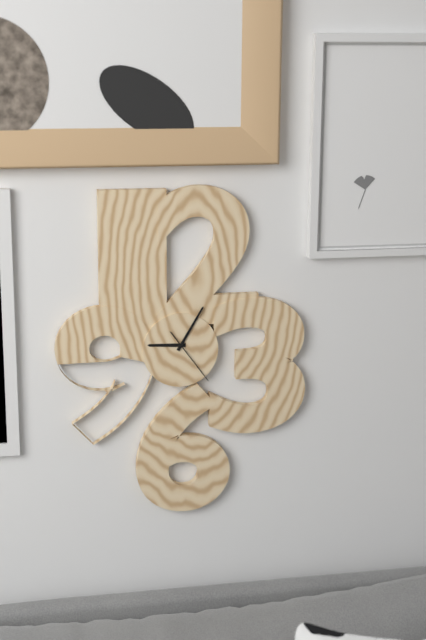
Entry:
9,05,24
